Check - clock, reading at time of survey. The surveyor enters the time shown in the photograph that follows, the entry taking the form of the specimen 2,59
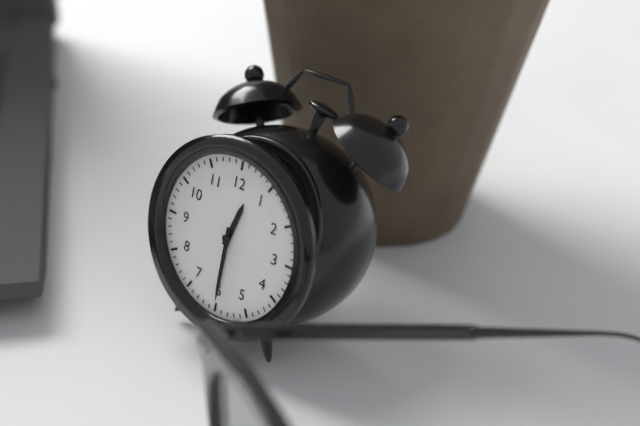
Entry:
12,30
